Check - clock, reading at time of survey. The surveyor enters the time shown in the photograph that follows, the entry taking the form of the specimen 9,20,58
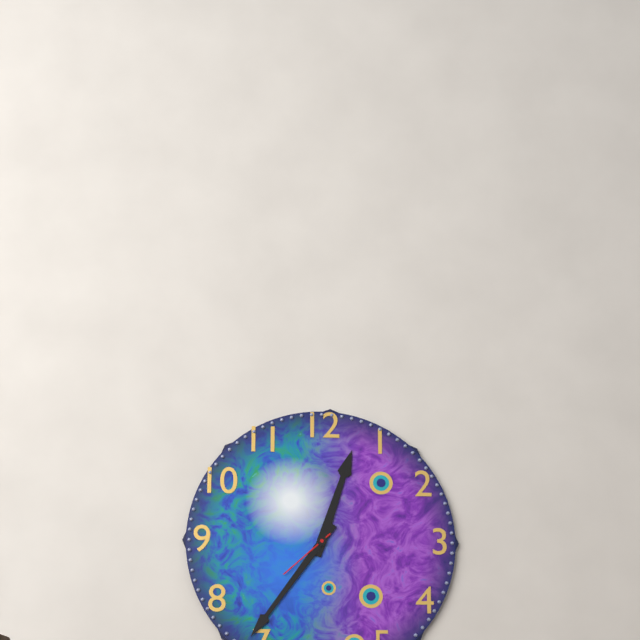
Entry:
12,36,38
